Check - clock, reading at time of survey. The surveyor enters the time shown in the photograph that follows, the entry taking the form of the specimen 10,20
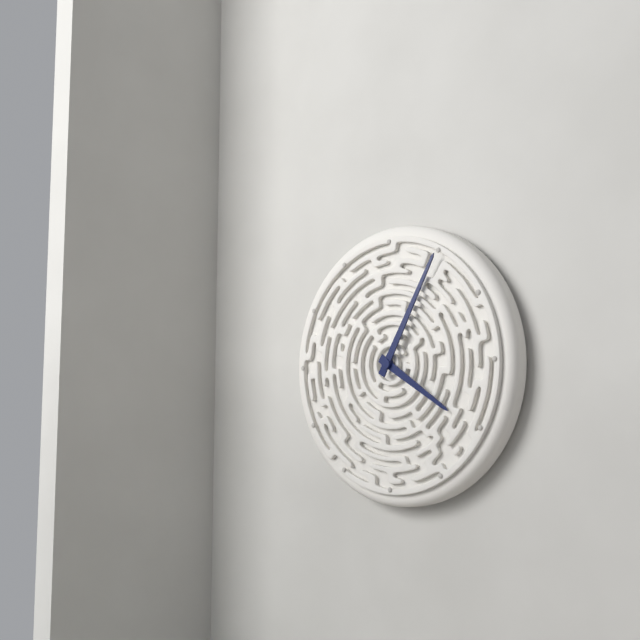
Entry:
4,05
